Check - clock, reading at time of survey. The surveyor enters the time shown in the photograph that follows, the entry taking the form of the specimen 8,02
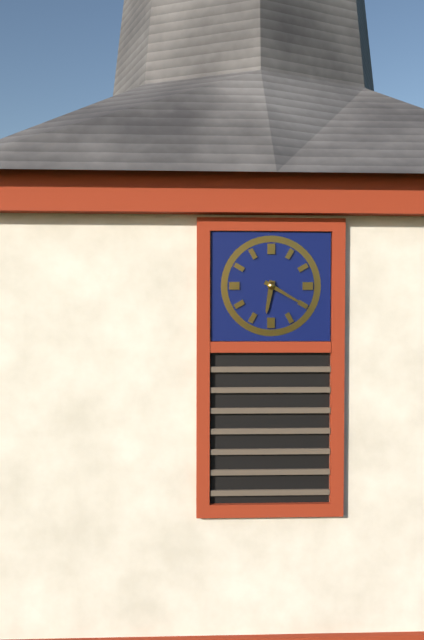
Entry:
6,20
